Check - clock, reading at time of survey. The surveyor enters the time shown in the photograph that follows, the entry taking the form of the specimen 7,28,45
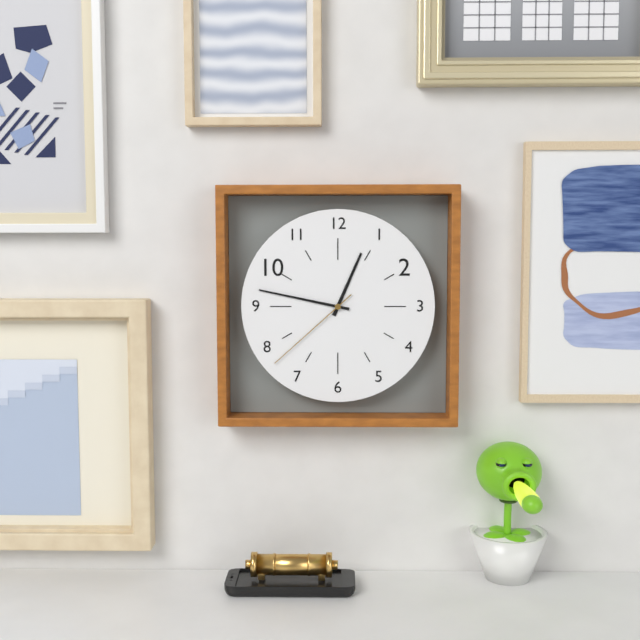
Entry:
12,47,38
